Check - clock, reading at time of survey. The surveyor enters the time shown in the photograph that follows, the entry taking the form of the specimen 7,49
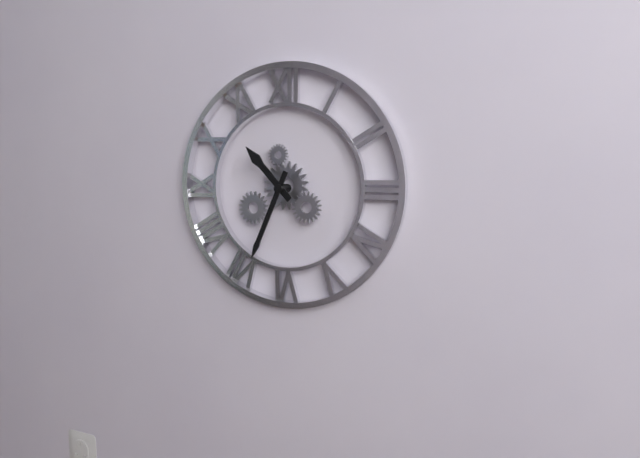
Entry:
10,34
